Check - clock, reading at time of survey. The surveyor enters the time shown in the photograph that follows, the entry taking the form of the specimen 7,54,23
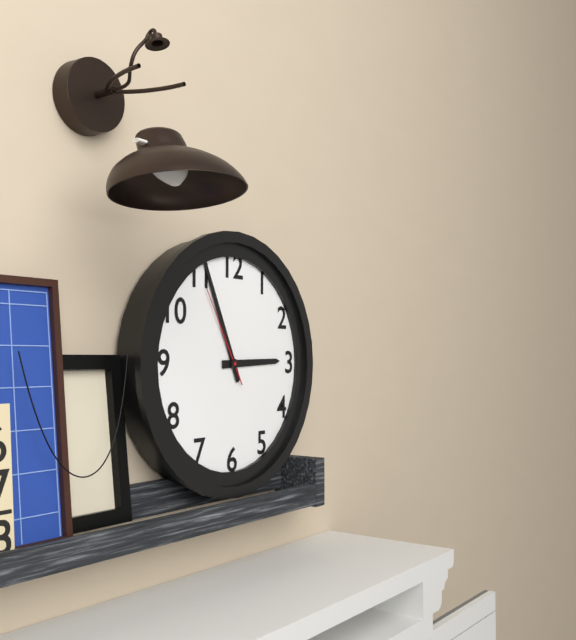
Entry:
2,56,55
